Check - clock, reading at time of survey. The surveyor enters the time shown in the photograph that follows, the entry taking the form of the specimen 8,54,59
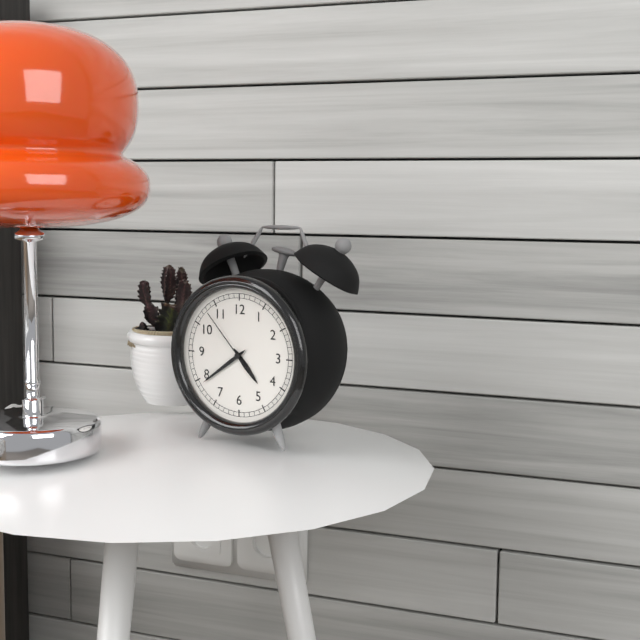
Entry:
4,39,53
